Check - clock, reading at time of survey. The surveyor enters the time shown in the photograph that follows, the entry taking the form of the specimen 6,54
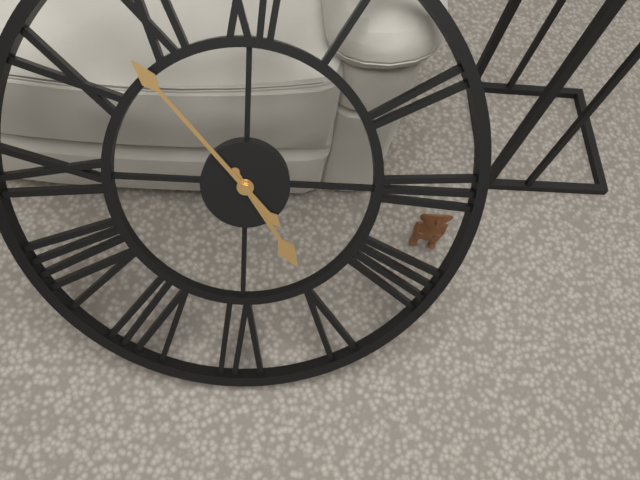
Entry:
4,53
